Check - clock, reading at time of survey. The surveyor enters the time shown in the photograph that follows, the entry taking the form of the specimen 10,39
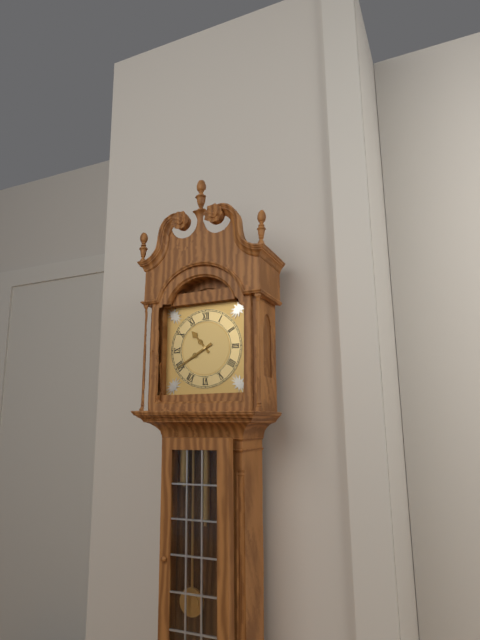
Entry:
10,40
